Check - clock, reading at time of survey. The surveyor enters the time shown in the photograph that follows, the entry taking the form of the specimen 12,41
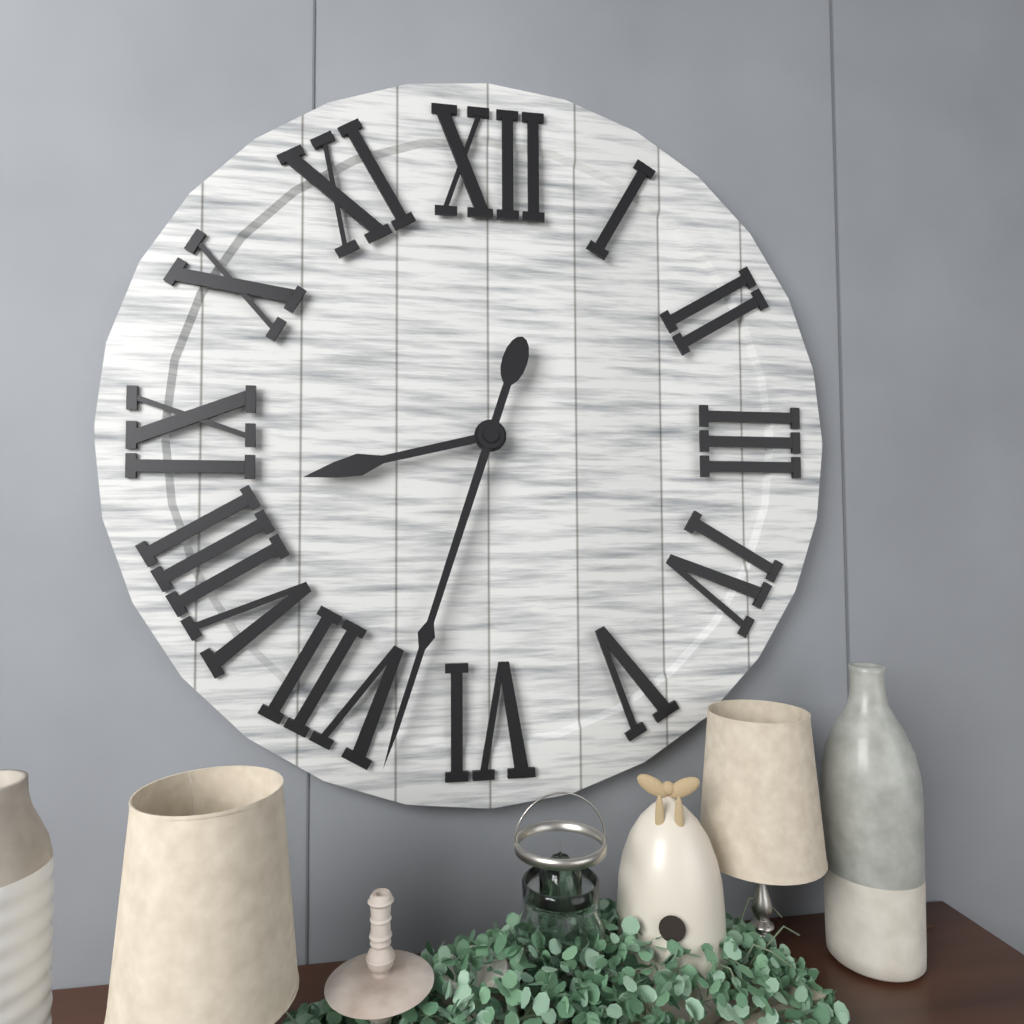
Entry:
8,33
